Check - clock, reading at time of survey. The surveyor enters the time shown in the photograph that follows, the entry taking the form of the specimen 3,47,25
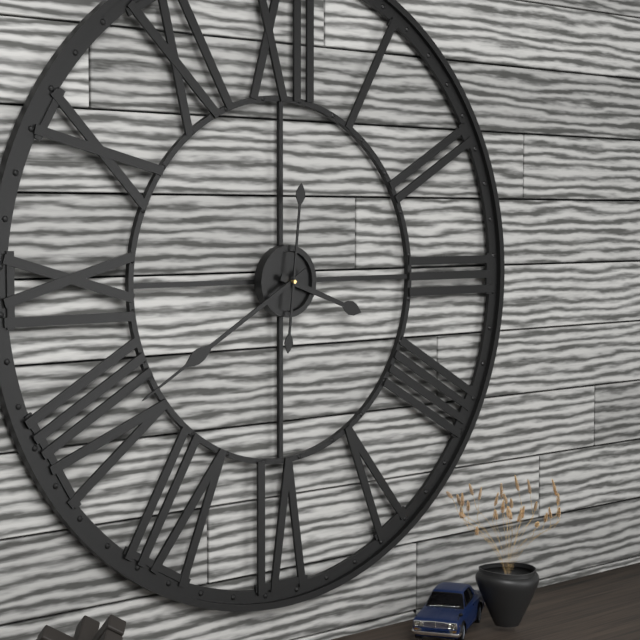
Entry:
3,40,01
